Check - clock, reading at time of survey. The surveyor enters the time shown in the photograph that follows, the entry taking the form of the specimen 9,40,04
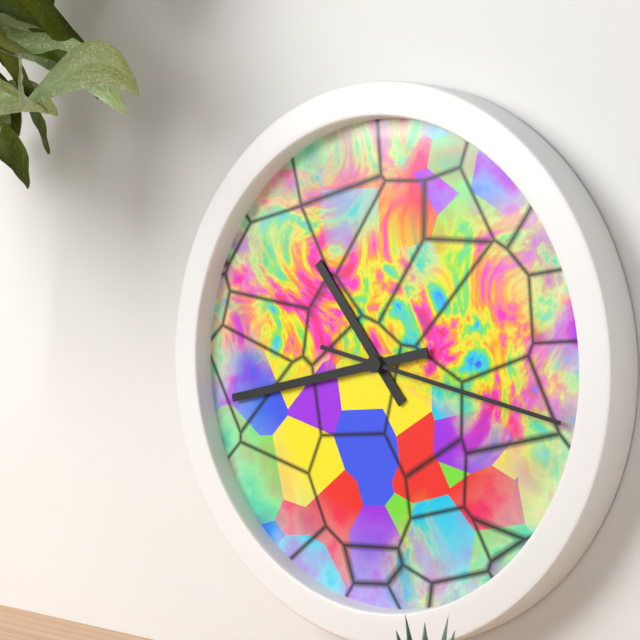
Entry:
10,43,17
